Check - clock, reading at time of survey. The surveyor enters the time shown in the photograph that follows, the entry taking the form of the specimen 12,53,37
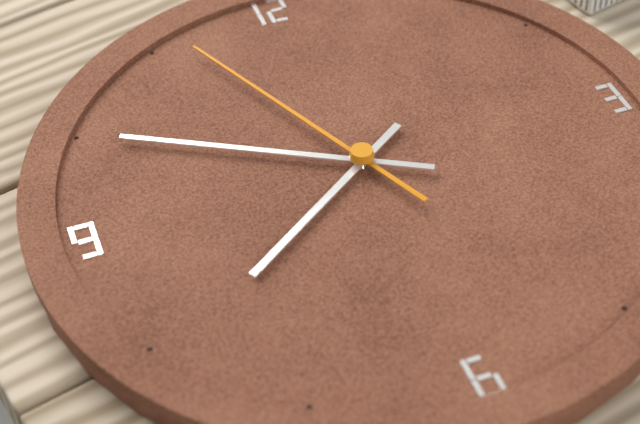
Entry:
7,50,56
